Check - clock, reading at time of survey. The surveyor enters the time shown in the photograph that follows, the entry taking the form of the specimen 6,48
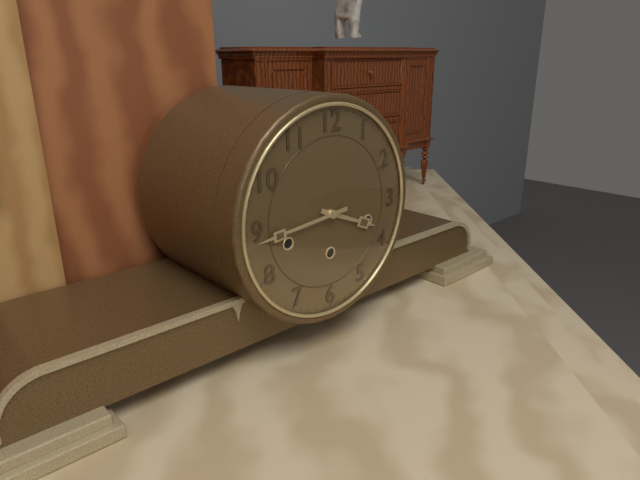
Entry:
3,44
